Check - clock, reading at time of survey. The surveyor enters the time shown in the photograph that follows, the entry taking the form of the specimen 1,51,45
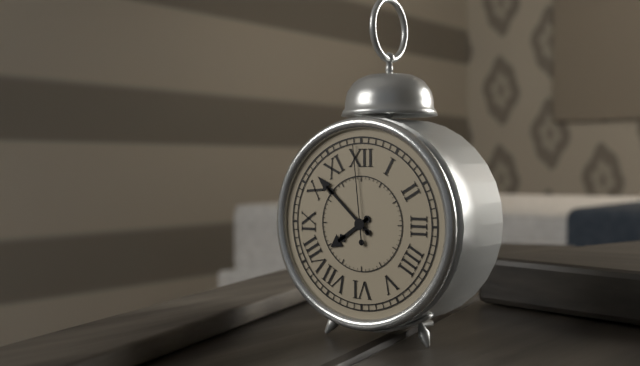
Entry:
7,52,59
